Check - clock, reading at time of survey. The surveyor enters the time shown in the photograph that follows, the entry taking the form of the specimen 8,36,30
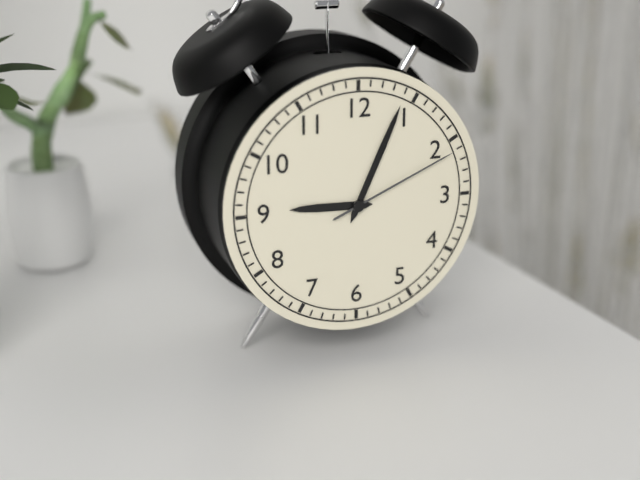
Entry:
9,04,11
